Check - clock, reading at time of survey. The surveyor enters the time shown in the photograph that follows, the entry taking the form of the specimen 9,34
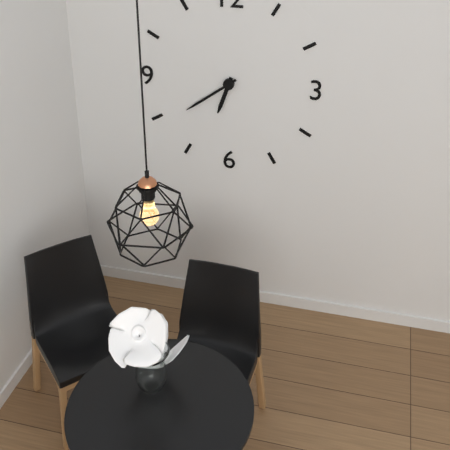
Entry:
6,39
